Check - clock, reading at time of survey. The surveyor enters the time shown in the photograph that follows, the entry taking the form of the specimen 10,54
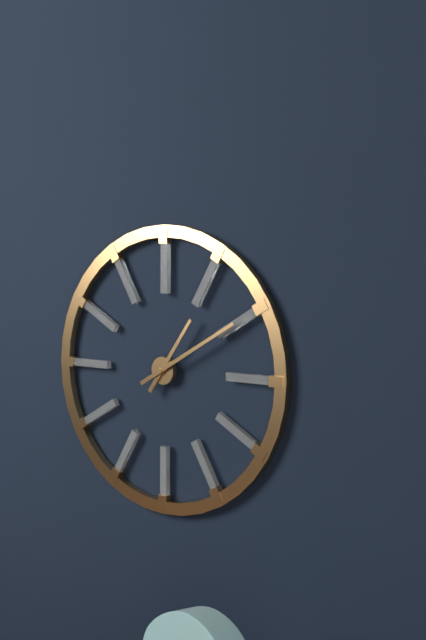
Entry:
1,10
